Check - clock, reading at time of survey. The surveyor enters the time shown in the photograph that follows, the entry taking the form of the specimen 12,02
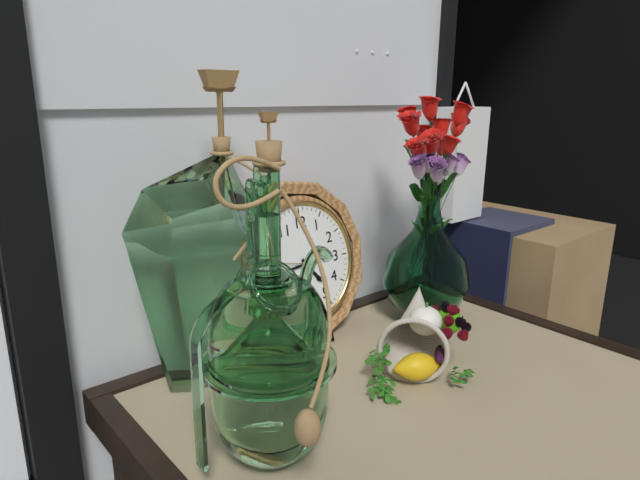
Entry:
4,44
